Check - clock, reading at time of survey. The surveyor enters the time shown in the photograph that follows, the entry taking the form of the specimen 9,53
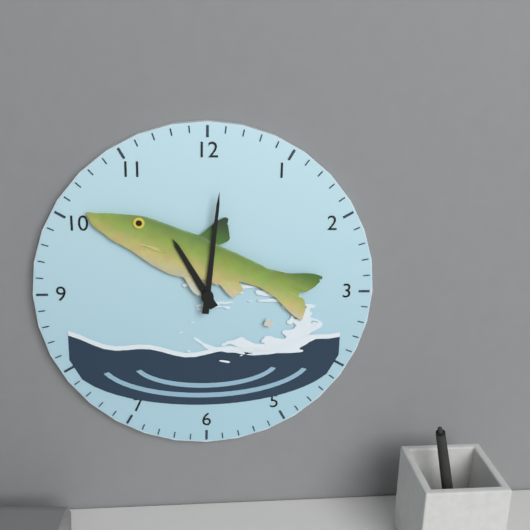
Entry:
11,01
